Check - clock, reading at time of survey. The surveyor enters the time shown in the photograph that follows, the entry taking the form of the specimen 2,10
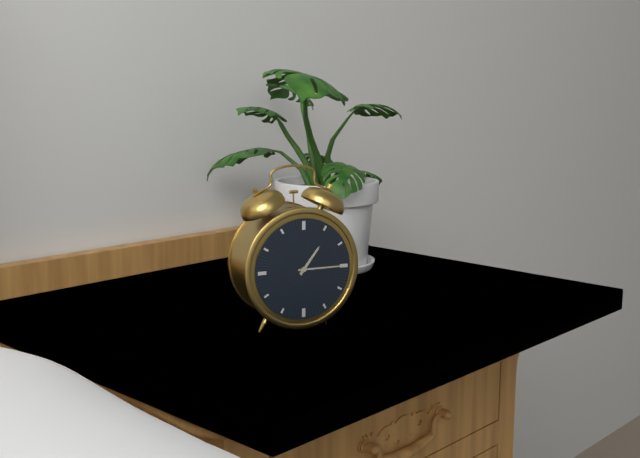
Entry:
1,15
